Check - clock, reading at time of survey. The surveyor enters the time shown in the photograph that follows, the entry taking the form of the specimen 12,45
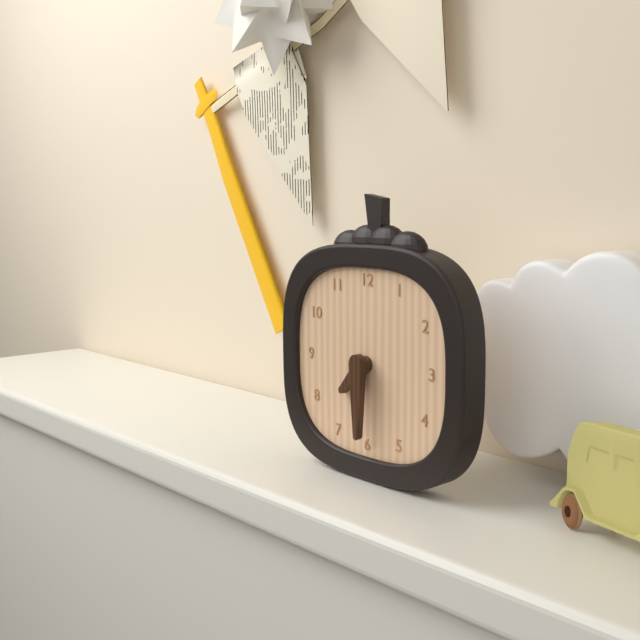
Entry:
7,30
